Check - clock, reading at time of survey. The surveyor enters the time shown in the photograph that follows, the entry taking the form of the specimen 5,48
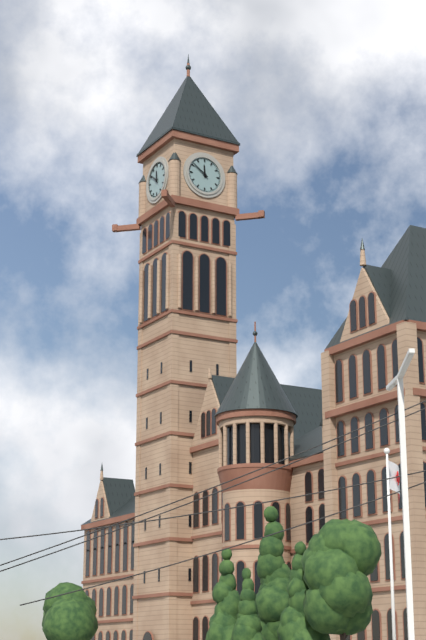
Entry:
11,51
